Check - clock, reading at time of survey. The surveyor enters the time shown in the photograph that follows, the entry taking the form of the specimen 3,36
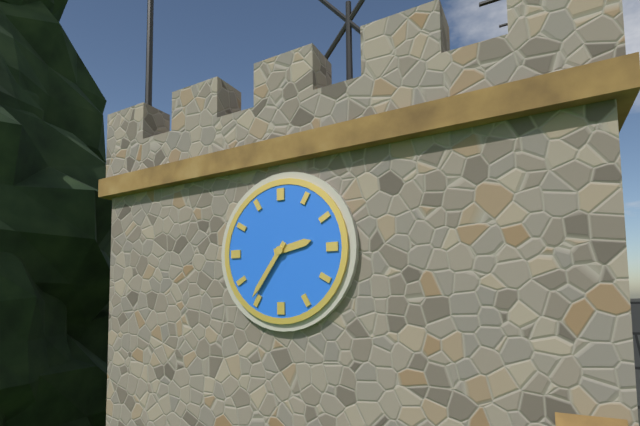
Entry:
2,36
